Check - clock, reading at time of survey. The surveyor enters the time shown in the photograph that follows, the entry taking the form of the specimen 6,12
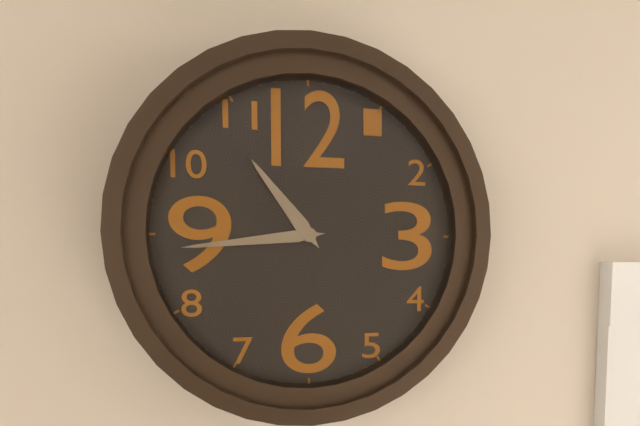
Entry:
10,44
